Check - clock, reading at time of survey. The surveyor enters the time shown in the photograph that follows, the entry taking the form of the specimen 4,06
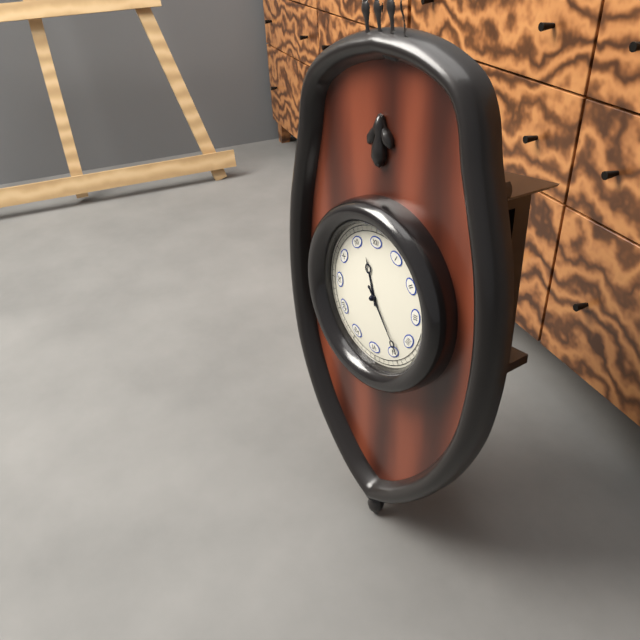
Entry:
11,24
